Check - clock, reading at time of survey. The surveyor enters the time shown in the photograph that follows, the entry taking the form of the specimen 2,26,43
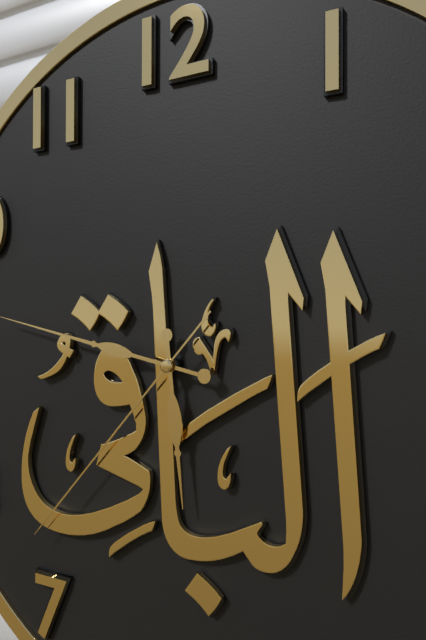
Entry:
5,47,37
